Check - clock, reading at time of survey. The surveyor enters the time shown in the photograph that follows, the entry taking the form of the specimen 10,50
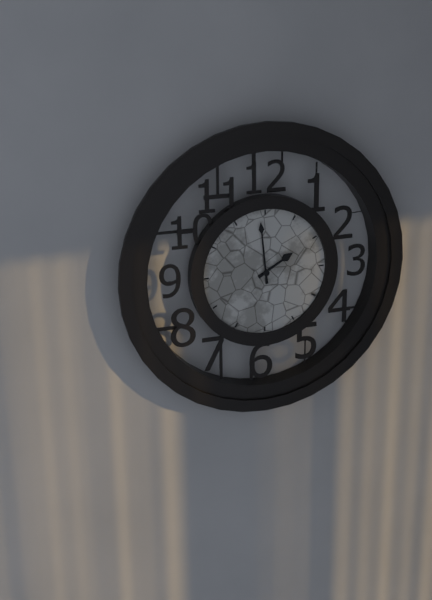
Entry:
1,59
